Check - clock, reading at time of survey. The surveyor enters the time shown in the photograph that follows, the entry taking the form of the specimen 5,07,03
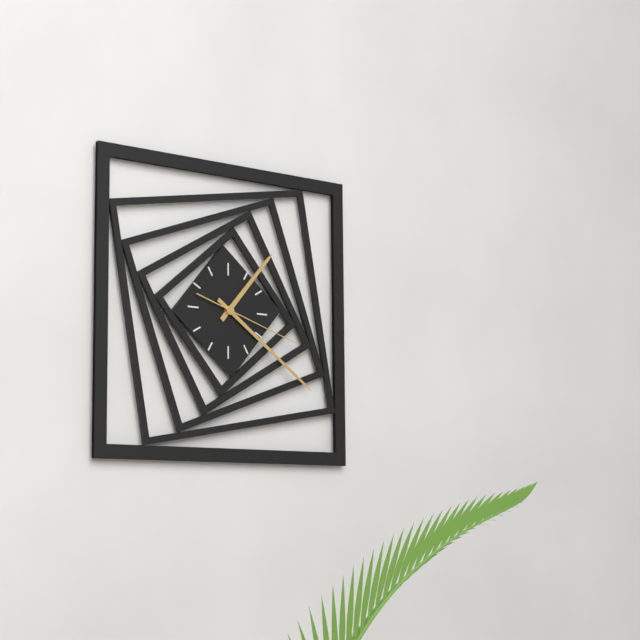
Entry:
1,21,18
